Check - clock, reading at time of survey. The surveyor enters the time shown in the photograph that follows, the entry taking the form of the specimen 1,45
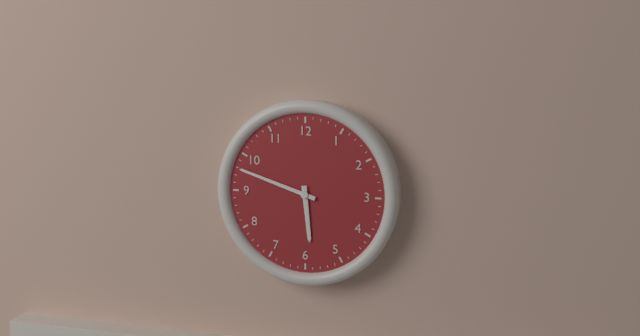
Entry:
5,48
